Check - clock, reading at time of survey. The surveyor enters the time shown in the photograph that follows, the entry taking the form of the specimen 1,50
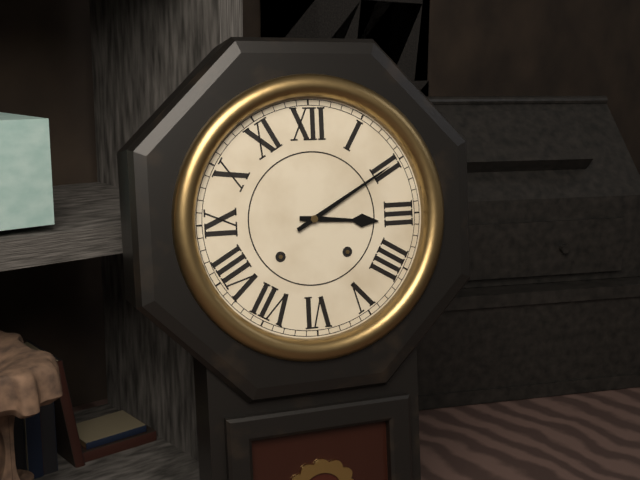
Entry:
3,10
